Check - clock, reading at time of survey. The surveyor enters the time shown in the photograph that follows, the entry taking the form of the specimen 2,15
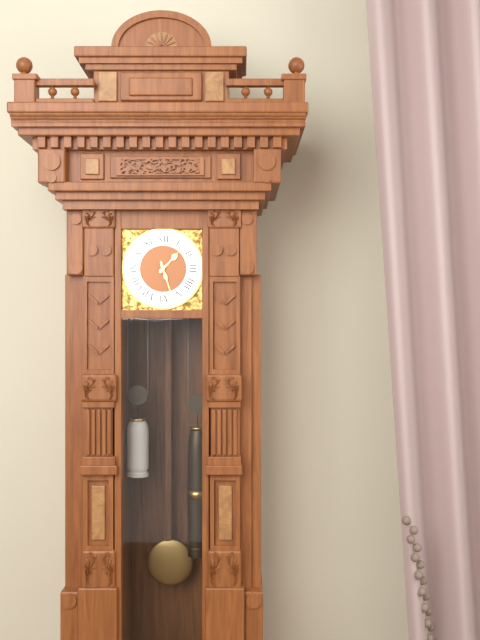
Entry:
1,27
